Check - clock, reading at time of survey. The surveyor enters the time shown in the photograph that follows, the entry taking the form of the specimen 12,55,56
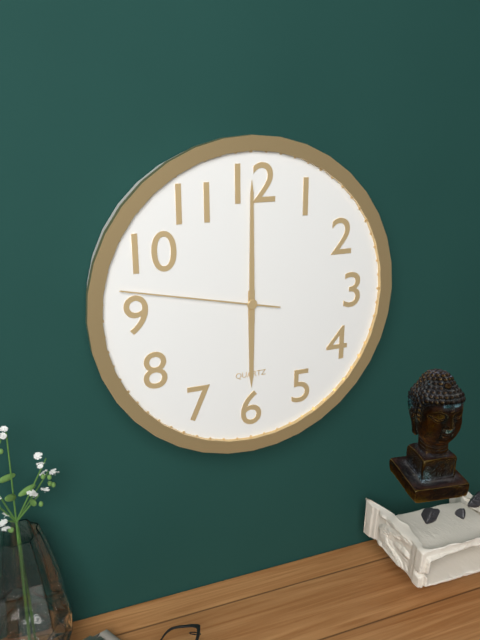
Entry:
6,00,47
